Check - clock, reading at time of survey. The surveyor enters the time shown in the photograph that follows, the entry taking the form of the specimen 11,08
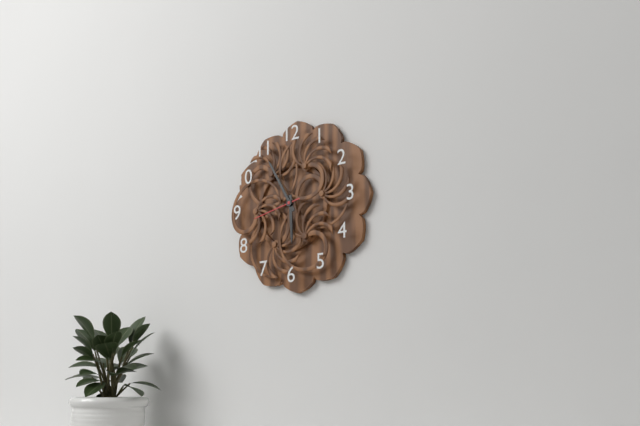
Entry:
5,55
